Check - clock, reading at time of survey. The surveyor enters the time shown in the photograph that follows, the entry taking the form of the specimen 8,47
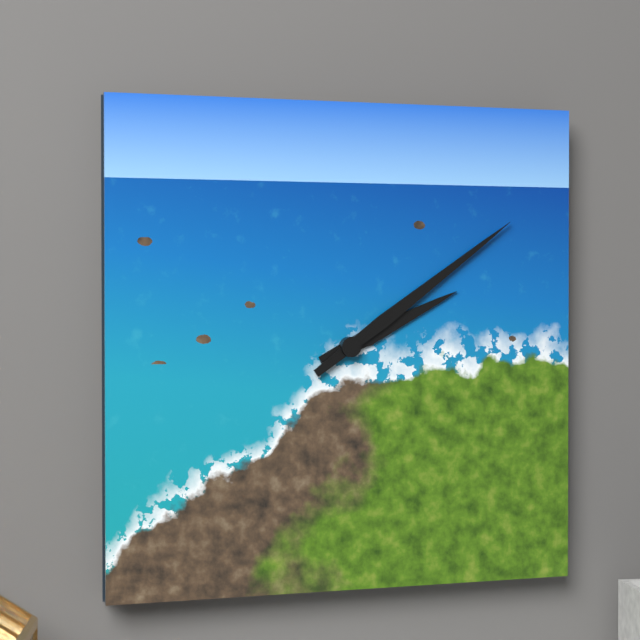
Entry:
2,09
